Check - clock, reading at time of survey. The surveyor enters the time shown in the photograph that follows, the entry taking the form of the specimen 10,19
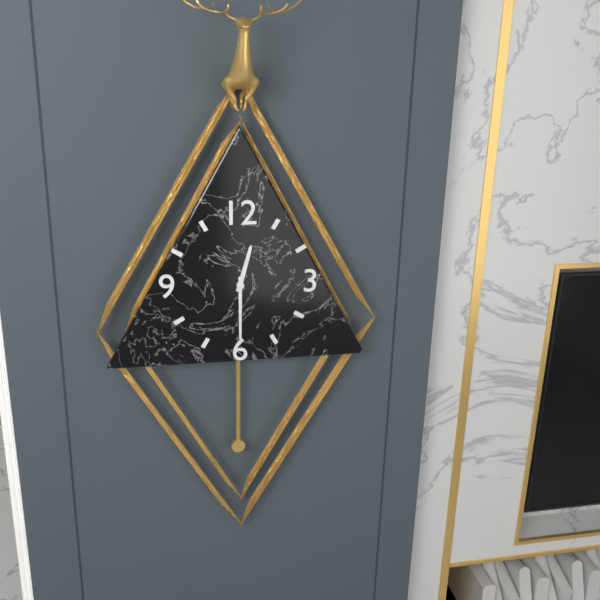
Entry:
12,30
